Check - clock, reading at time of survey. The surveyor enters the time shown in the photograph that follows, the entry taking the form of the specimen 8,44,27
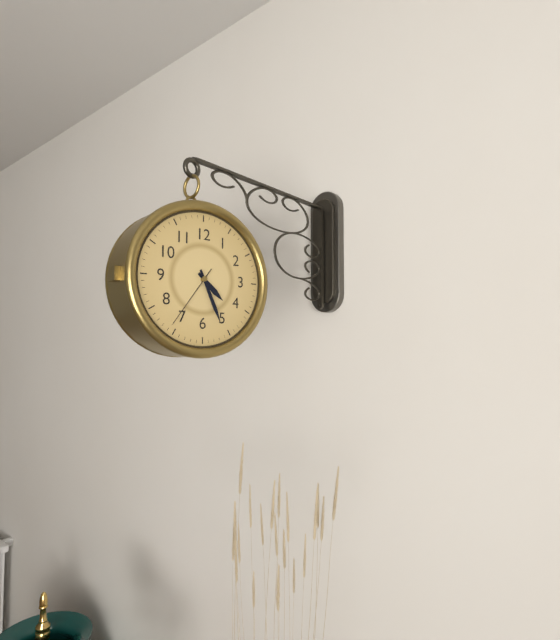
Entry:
4,26,36
